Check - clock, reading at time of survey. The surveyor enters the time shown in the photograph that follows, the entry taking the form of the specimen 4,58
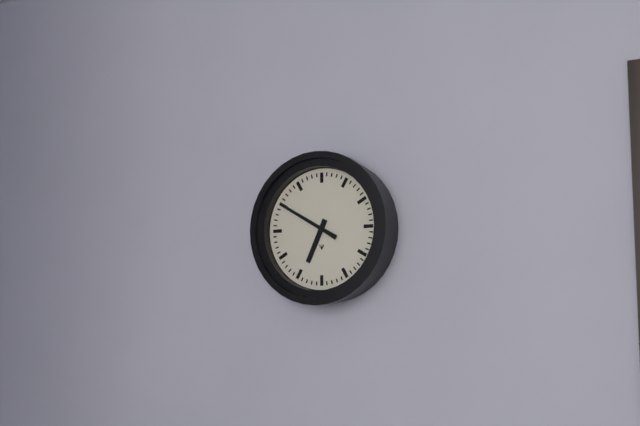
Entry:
6,50
